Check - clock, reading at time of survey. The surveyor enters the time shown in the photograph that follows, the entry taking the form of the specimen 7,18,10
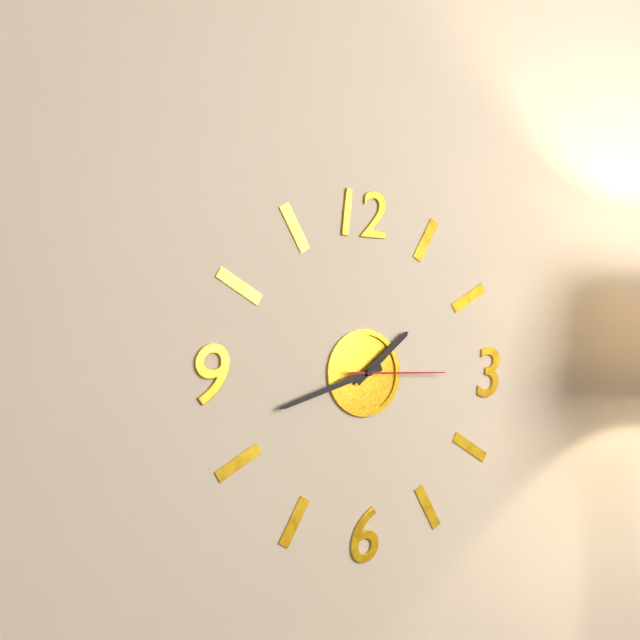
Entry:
1,42,15
